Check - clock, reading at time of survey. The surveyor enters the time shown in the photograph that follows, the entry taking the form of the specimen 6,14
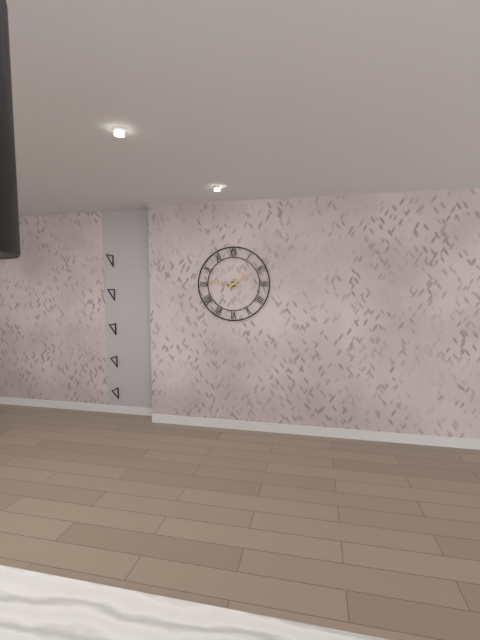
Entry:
1,46
